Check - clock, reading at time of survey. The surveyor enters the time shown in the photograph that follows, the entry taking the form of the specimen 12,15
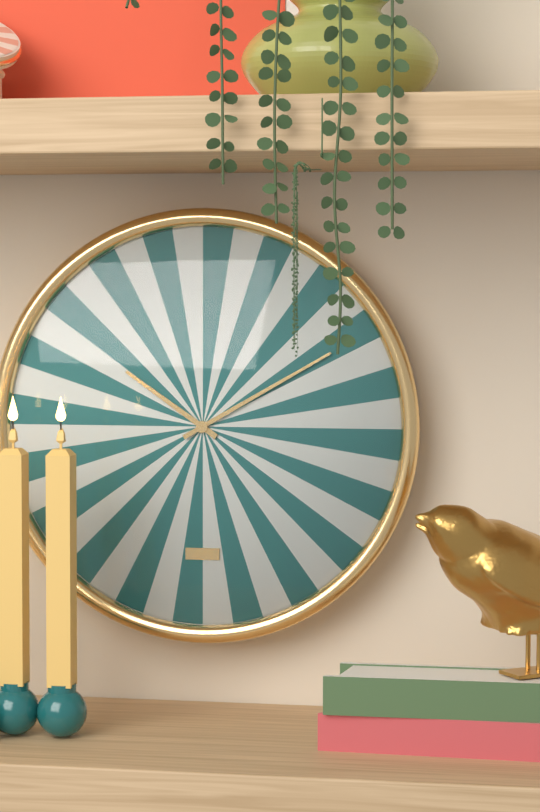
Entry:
10,10
